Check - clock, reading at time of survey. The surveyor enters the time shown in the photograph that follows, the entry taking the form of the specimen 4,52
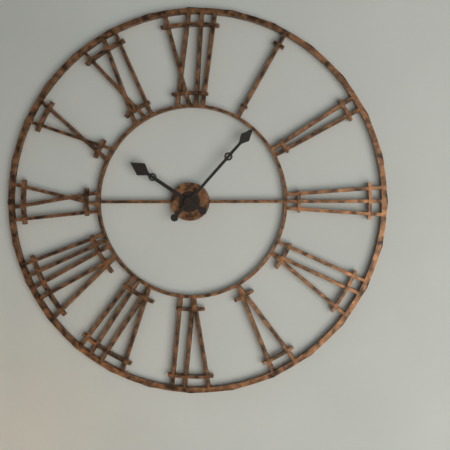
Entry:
10,07
